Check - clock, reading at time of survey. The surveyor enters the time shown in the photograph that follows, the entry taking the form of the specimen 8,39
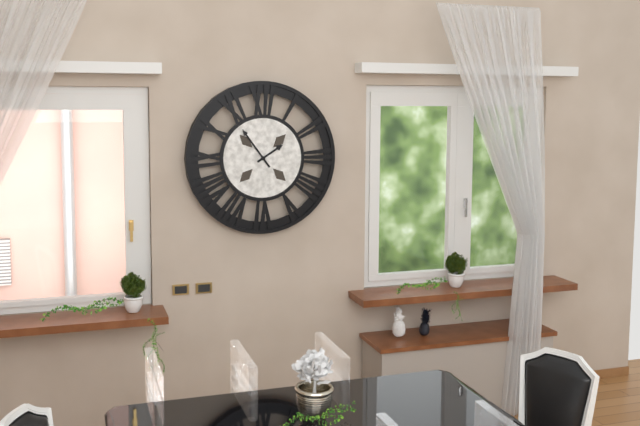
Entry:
1,54
